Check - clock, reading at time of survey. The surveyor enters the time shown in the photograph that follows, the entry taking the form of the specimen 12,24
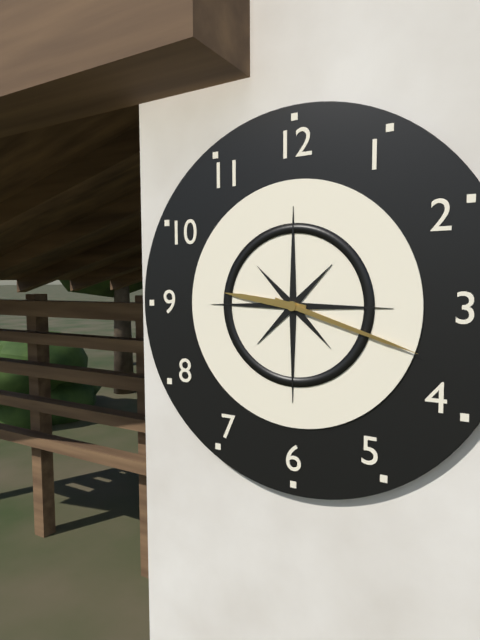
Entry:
9,18
